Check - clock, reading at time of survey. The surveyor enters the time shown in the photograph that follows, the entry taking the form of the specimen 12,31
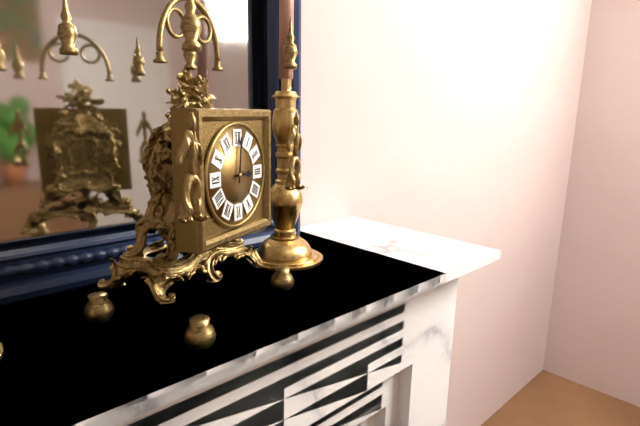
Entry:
3,01
